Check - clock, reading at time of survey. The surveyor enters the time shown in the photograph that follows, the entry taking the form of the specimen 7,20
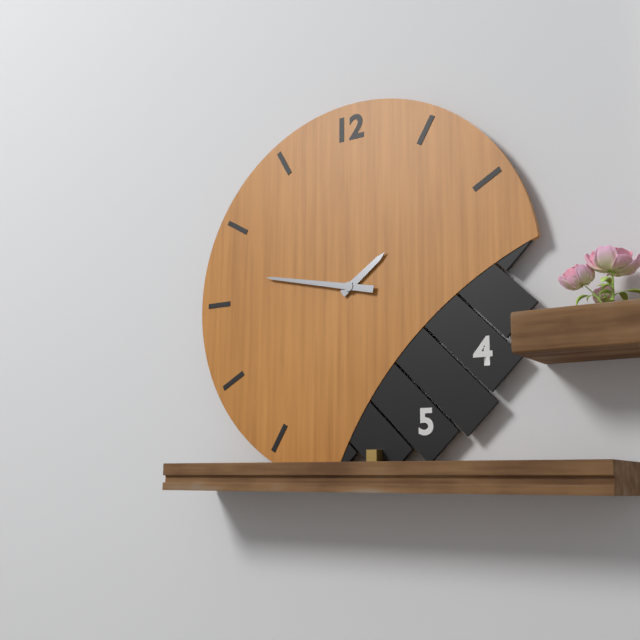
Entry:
1,47
